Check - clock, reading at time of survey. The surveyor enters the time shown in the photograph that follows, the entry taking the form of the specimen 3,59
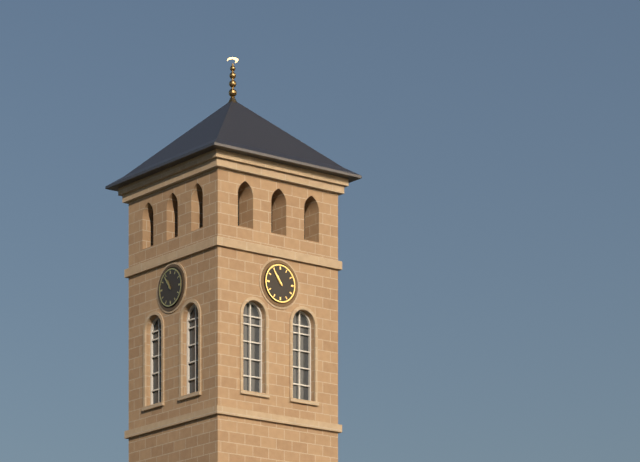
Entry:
10,54
